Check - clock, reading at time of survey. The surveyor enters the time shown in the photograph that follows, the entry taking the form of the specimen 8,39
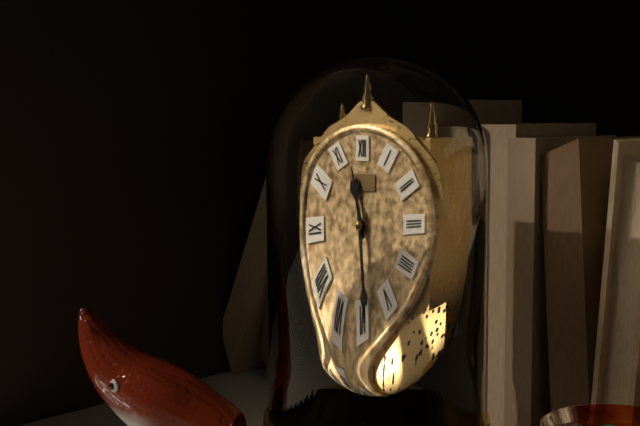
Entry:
11,29
